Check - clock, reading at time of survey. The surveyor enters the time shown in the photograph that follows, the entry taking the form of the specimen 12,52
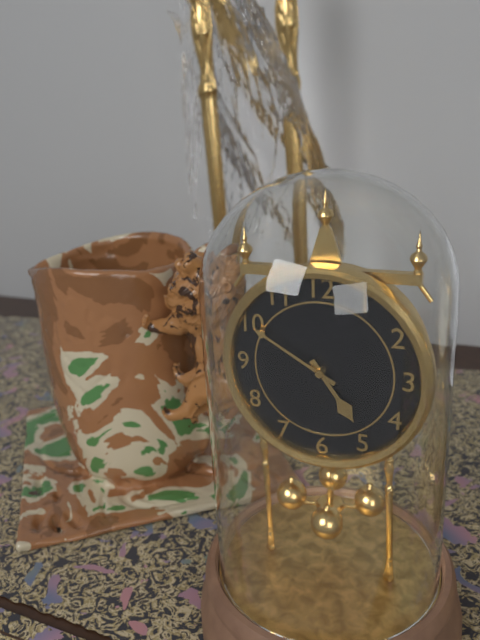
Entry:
4,50
